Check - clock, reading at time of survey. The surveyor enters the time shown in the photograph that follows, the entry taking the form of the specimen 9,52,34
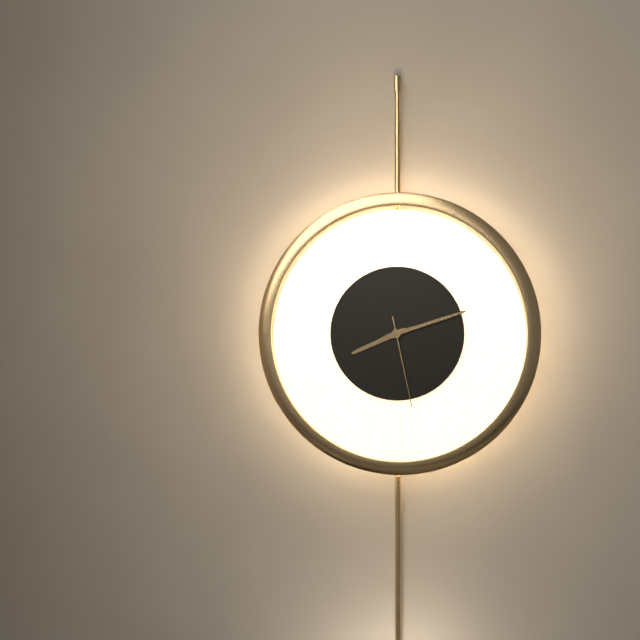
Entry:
8,12,28
